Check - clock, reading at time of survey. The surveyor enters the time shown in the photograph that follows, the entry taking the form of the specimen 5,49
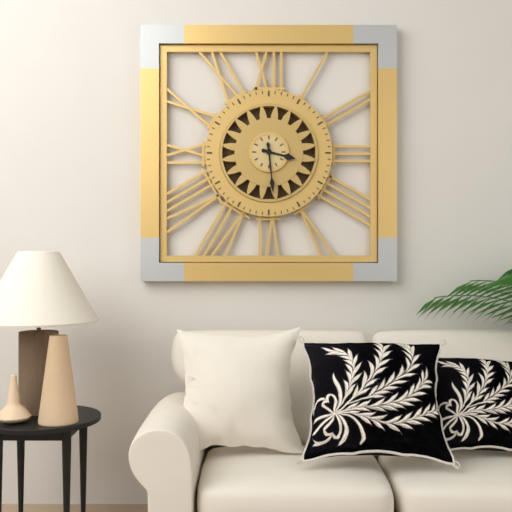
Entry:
3,29
